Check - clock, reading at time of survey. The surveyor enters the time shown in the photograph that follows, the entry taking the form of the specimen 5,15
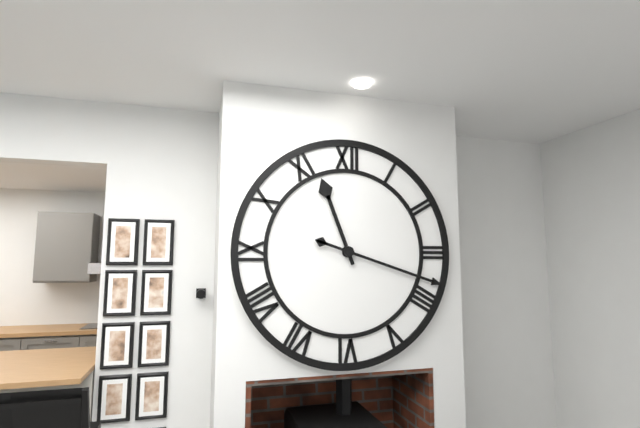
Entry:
11,18
